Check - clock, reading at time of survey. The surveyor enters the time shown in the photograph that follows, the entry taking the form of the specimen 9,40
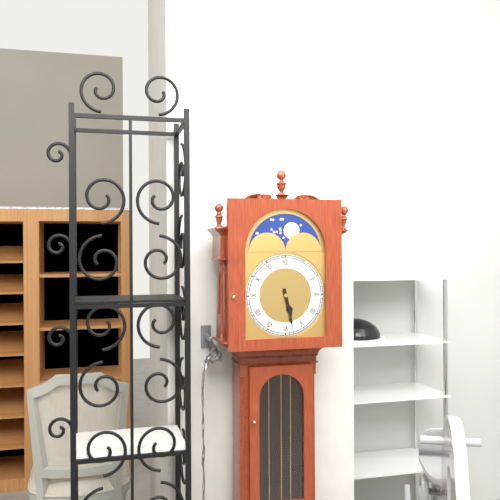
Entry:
5,28
